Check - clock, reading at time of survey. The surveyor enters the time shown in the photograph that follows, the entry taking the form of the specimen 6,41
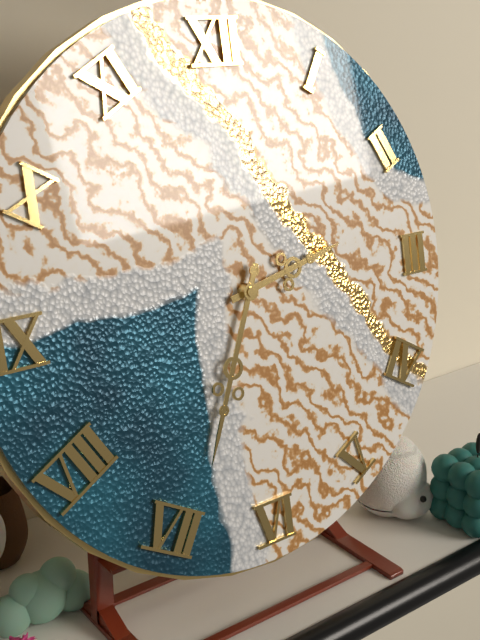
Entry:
2,34
